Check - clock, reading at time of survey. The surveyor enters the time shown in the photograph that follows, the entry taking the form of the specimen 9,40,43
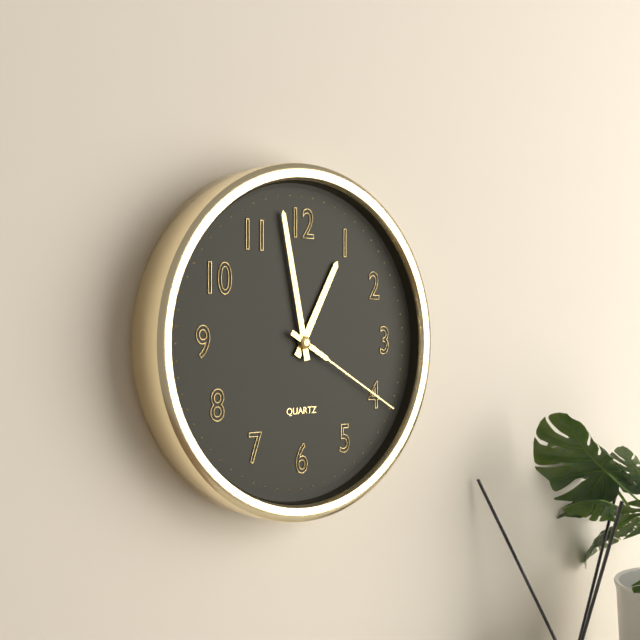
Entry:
12,58,20
